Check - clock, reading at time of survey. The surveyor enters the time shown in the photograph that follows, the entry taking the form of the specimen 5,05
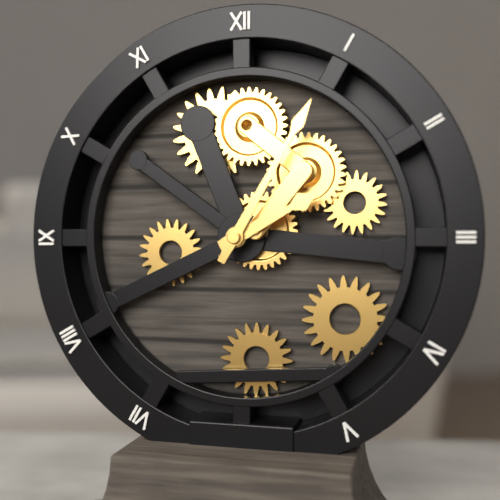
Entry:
2,05
